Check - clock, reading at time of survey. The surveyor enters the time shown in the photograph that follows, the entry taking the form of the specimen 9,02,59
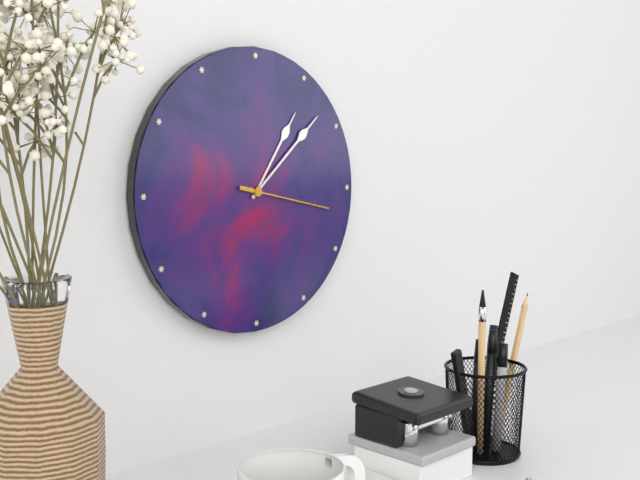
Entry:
1,08,17
